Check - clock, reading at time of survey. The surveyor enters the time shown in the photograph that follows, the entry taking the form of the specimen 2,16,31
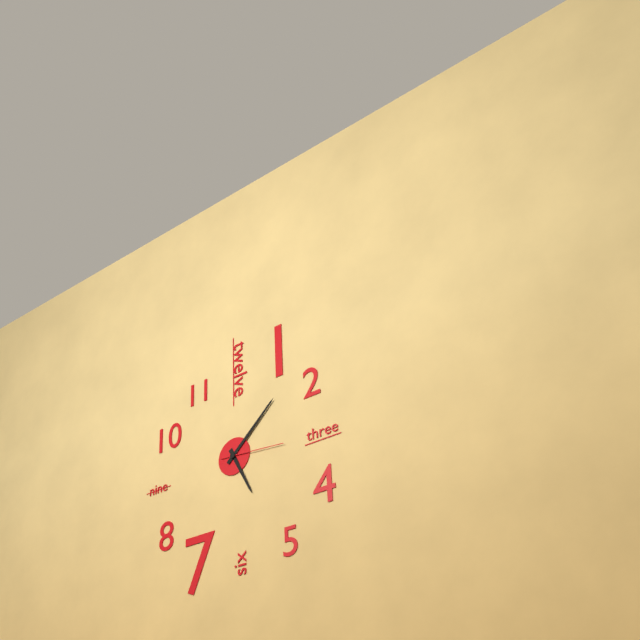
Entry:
5,08,16
